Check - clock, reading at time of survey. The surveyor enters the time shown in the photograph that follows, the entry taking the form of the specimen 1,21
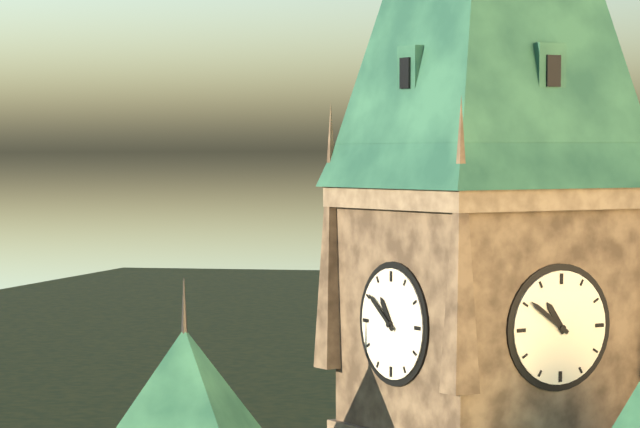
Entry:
10,51
